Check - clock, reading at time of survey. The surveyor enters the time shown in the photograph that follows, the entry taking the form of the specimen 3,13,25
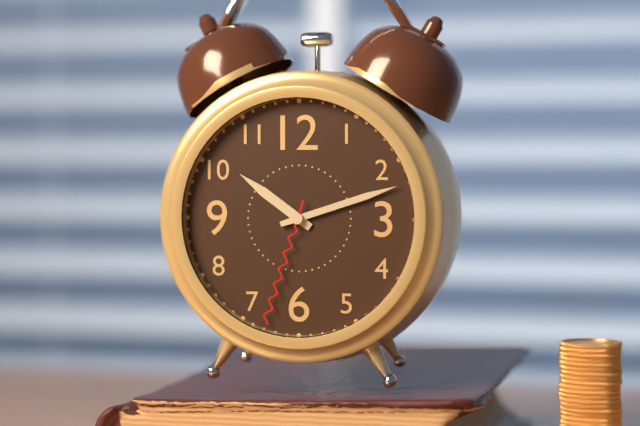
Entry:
10,12,33
